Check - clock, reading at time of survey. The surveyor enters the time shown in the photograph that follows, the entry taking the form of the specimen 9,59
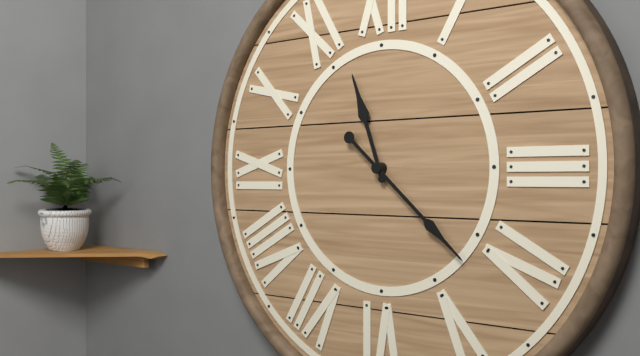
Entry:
11,22
